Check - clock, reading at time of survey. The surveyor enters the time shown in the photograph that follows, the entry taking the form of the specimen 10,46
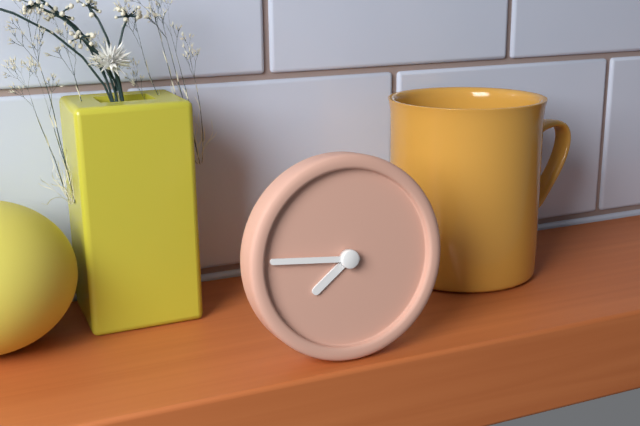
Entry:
7,46
